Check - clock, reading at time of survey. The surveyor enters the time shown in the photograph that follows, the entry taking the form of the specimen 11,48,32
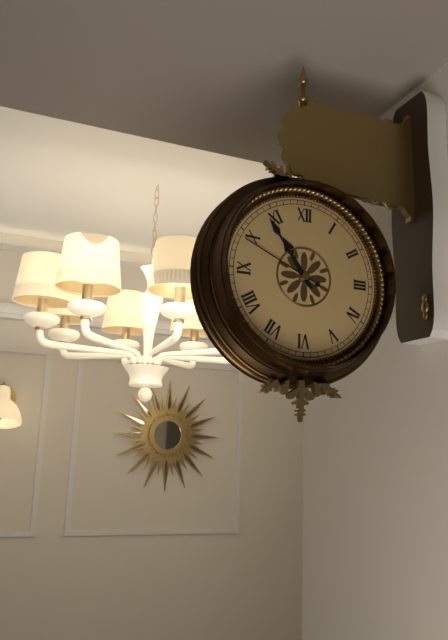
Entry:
10,54,49
